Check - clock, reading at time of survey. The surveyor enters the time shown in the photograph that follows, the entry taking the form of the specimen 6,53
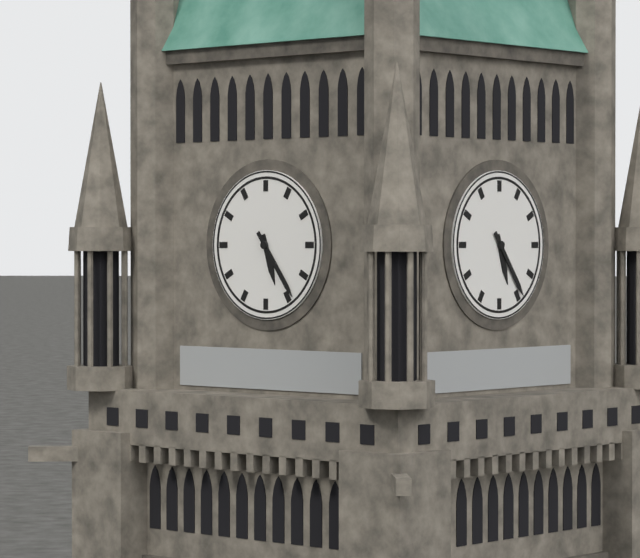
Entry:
5,24
